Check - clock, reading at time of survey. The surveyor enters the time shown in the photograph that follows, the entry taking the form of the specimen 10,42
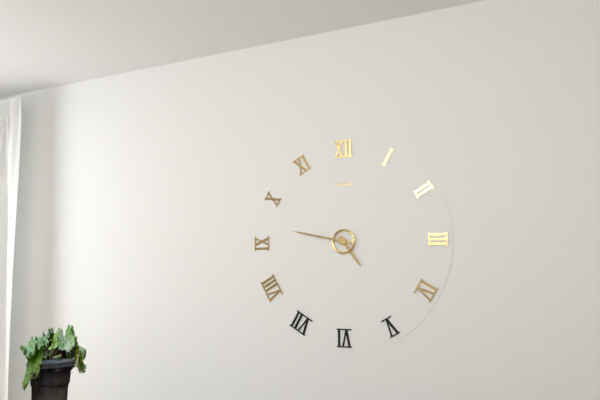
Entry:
4,47
